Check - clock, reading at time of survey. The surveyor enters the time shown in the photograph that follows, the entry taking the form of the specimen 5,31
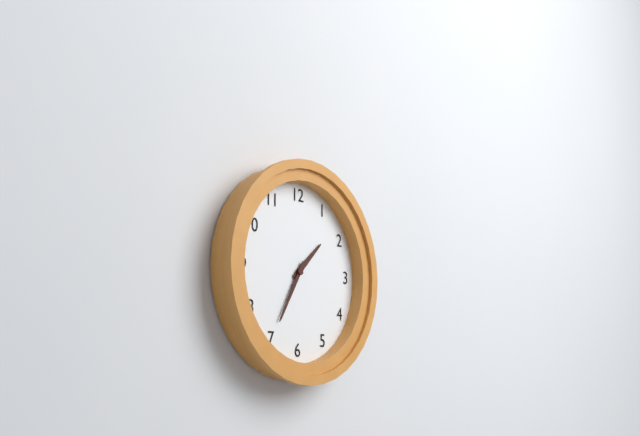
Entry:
1,35
